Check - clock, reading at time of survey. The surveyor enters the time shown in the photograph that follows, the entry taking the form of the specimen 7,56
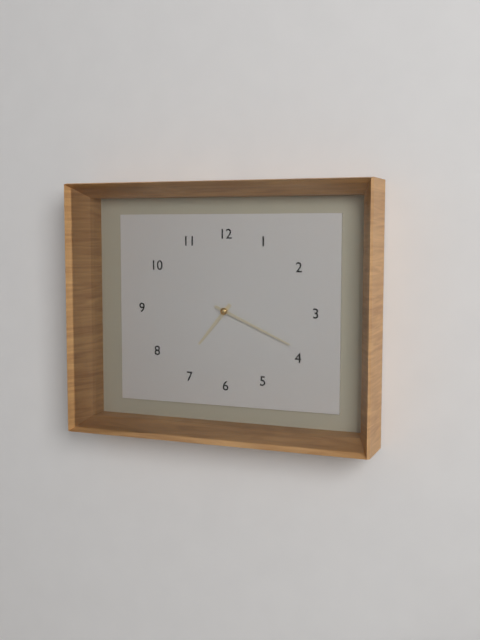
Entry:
7,19
